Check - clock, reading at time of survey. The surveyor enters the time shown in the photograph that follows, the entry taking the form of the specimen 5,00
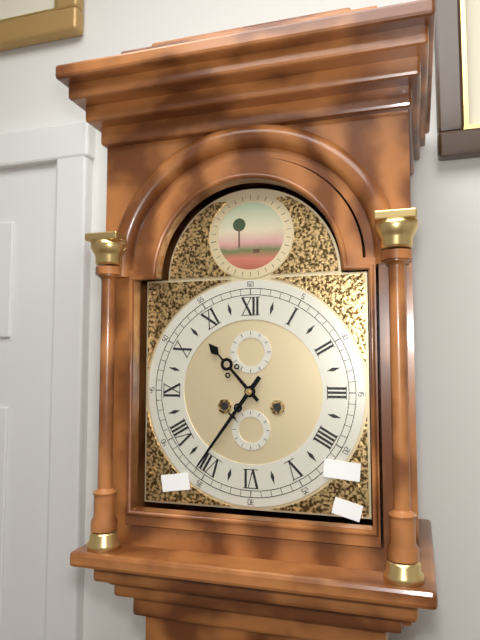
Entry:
10,36
